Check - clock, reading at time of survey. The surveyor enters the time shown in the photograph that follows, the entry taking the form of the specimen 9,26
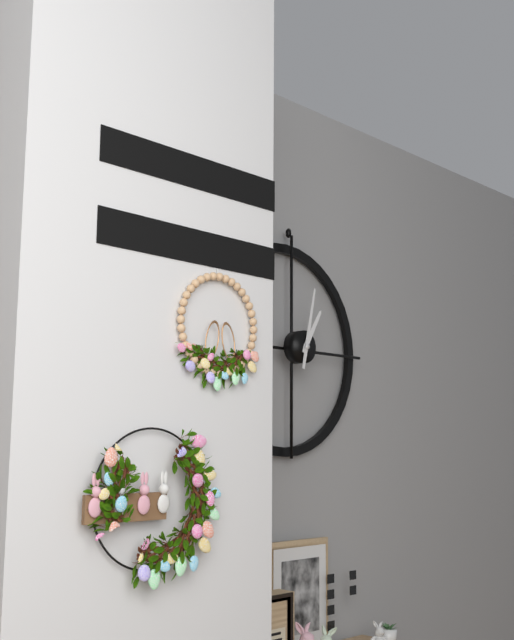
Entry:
1,02
